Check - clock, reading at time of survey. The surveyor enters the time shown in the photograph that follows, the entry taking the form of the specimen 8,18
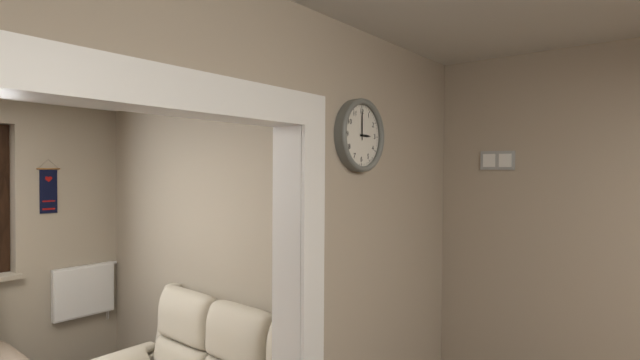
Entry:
3,00
